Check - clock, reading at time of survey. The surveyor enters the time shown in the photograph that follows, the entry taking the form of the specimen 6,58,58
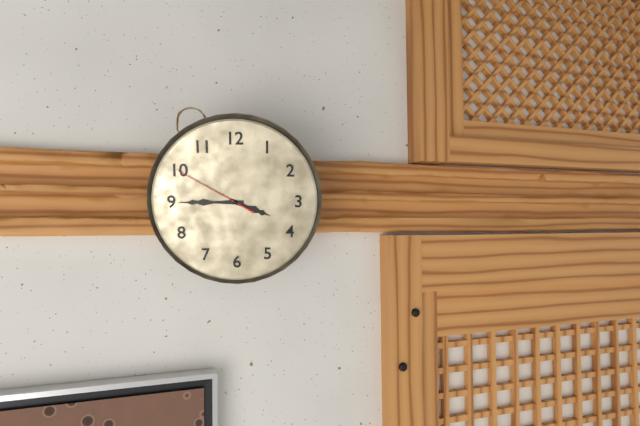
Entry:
3,45,50
